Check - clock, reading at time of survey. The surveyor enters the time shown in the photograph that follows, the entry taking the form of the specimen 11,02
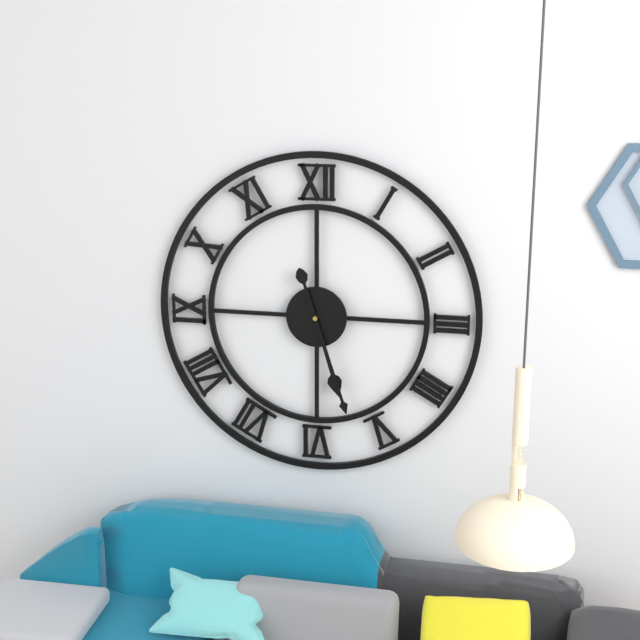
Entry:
5,27
